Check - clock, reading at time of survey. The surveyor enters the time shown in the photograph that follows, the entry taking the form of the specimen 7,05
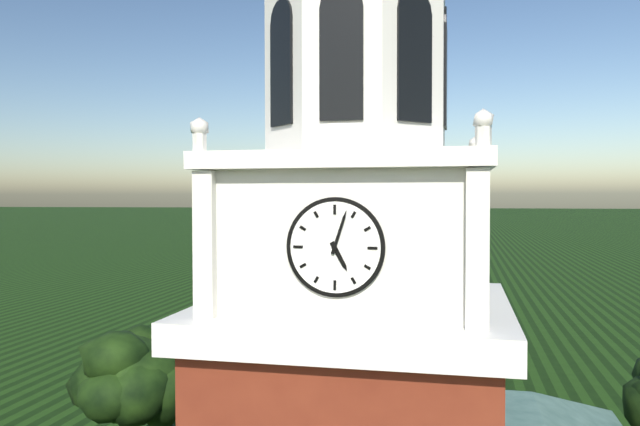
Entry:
5,03
